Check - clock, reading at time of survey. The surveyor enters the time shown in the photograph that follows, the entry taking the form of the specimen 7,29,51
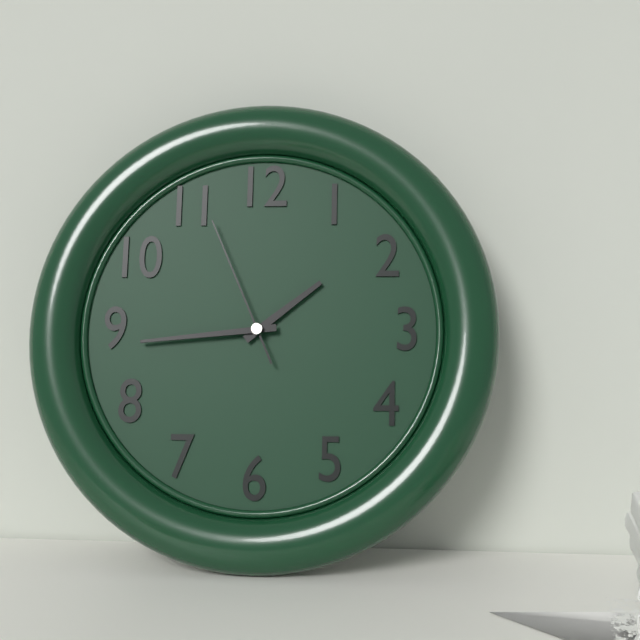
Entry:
1,44,56
